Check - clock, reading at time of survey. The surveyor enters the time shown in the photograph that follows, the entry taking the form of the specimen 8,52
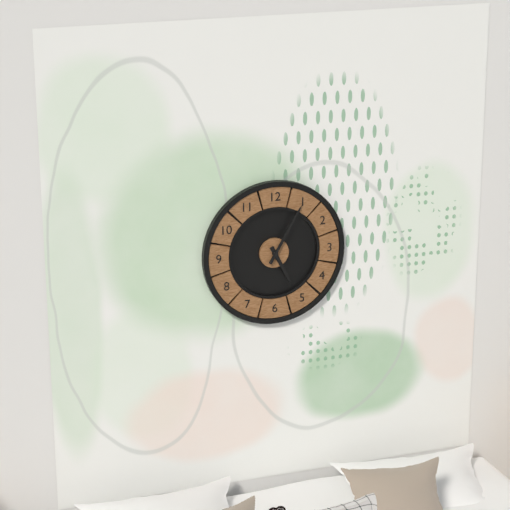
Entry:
5,05
